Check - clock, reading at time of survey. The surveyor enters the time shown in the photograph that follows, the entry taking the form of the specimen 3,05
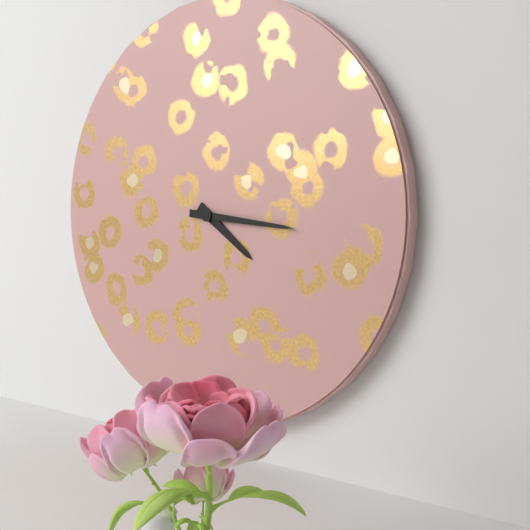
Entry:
4,16
